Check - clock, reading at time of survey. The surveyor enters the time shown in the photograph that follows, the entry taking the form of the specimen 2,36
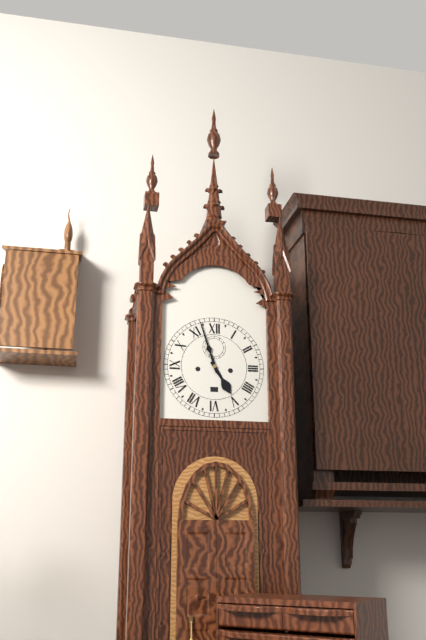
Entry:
4,57
